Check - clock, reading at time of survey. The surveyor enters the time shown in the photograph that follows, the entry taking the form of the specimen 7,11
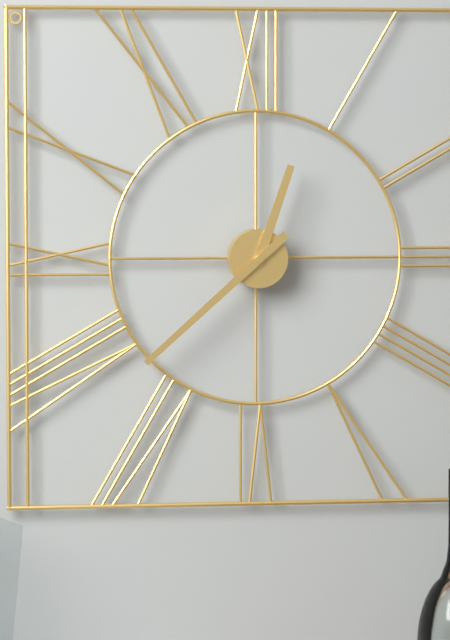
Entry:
12,38
